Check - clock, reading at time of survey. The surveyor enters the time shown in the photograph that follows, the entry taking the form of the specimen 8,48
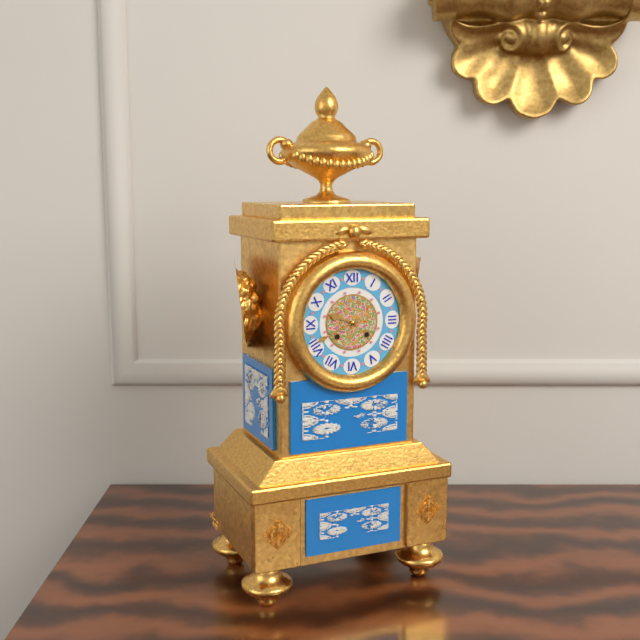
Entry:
9,41
